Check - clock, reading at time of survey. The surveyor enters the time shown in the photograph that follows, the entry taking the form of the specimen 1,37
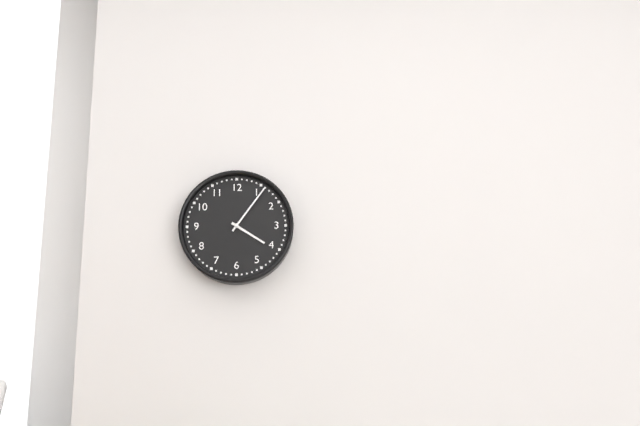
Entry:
4,06
